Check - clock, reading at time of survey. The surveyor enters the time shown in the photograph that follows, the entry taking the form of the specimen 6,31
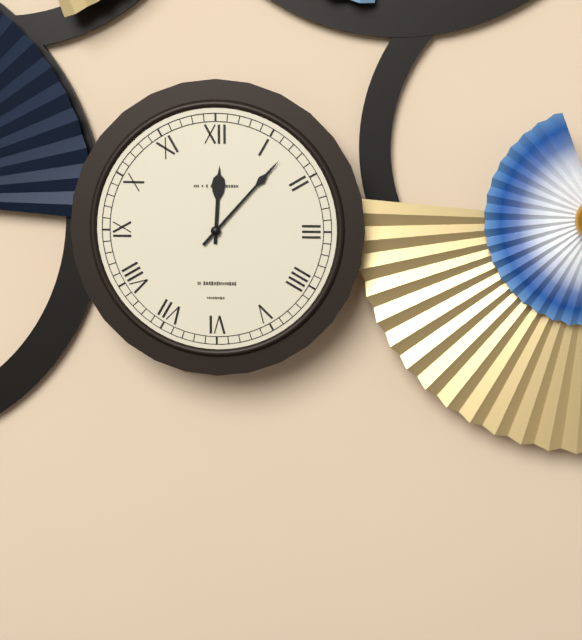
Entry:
12,07
